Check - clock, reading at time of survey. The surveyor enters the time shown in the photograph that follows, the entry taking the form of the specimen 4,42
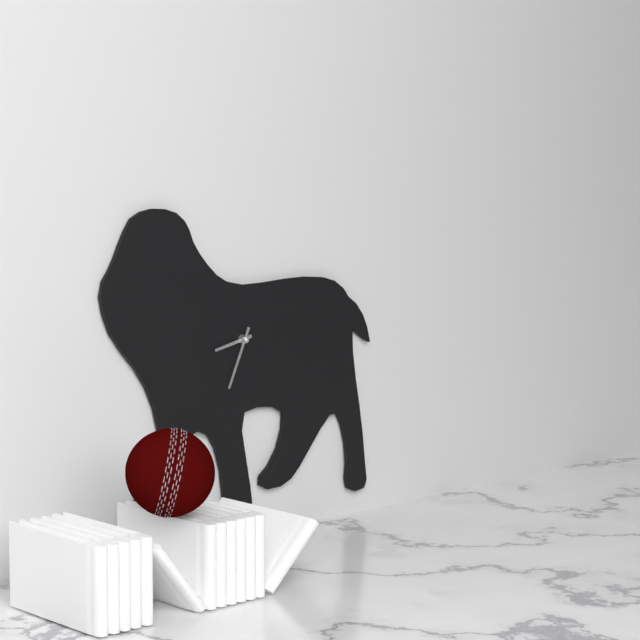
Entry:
8,34
